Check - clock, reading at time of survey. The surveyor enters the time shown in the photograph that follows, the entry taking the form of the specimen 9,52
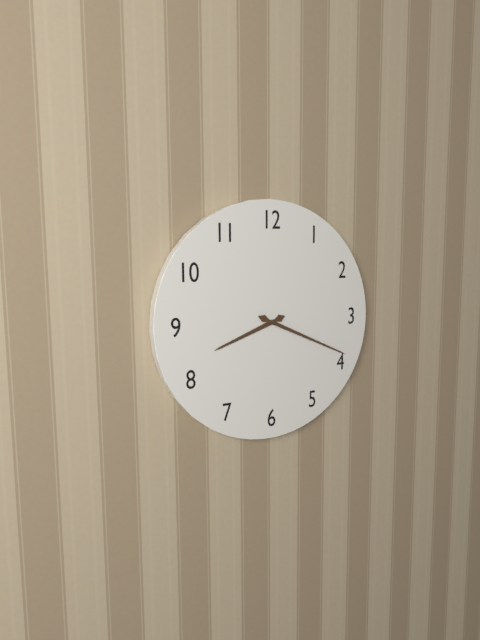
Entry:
8,19
